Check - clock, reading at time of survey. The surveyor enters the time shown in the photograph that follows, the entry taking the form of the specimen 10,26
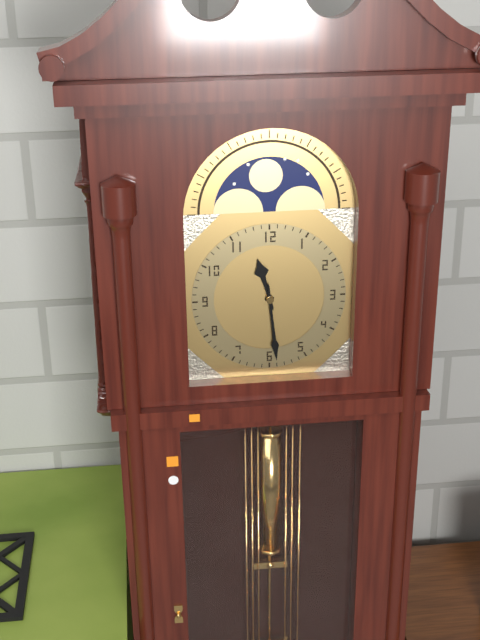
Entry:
11,29
